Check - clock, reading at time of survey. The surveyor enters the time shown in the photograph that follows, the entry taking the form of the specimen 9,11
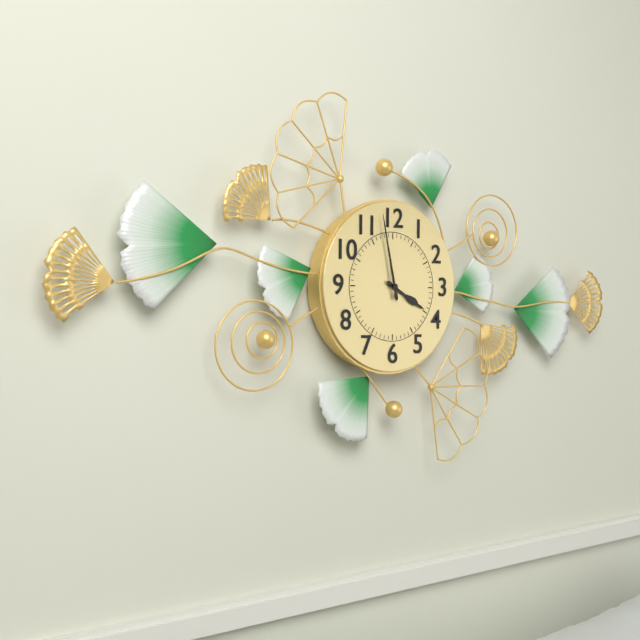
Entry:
3,58
